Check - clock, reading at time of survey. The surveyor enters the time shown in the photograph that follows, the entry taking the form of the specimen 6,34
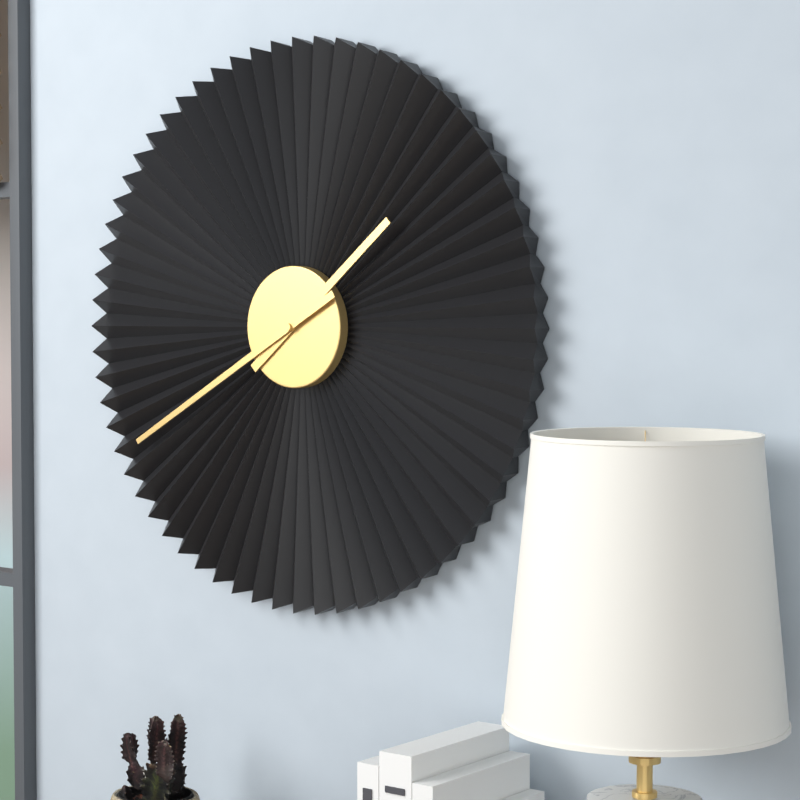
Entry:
1,40
